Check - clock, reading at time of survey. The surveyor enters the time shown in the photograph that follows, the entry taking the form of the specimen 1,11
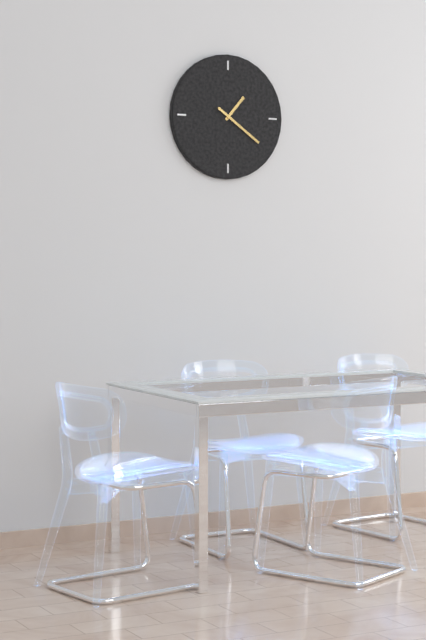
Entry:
1,21
